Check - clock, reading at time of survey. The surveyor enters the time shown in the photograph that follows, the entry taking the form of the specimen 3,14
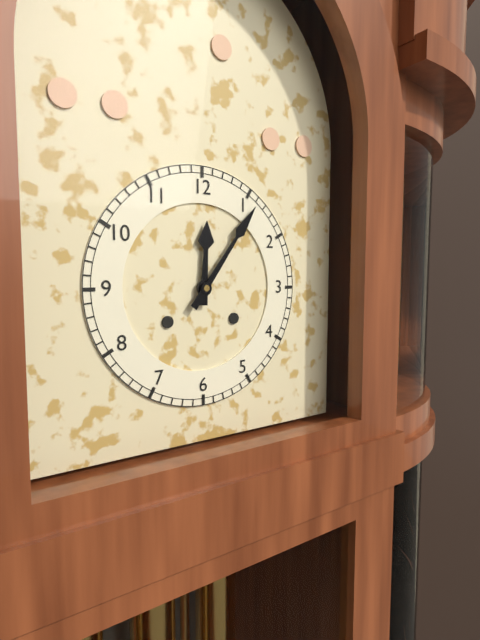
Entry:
12,06
